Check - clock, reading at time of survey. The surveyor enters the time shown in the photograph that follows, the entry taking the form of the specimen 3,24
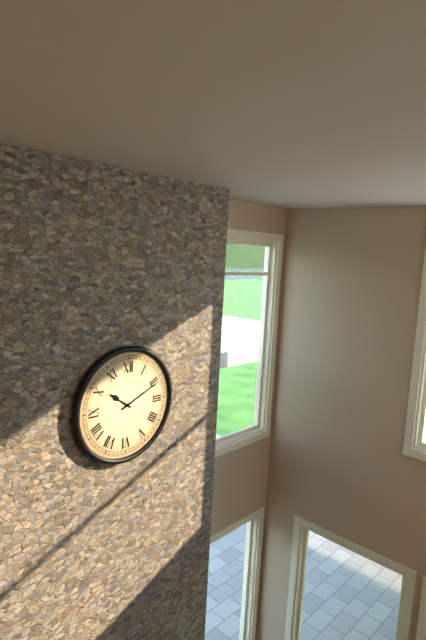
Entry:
10,11
